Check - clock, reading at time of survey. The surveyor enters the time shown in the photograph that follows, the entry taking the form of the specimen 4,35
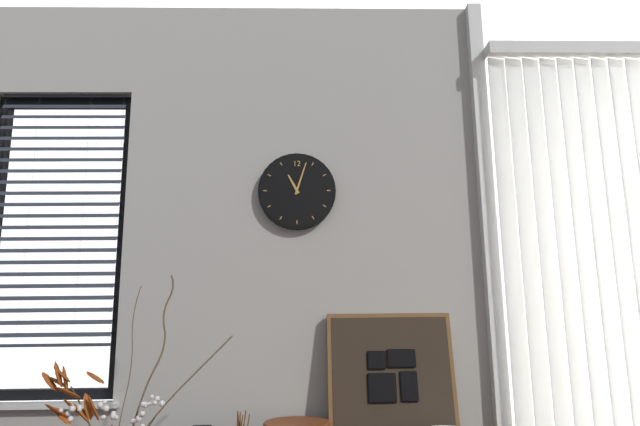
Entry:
11,03
